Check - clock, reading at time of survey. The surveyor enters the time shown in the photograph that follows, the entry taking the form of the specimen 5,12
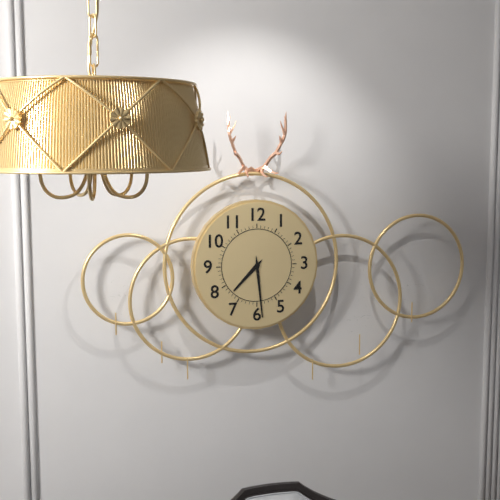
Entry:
7,29
